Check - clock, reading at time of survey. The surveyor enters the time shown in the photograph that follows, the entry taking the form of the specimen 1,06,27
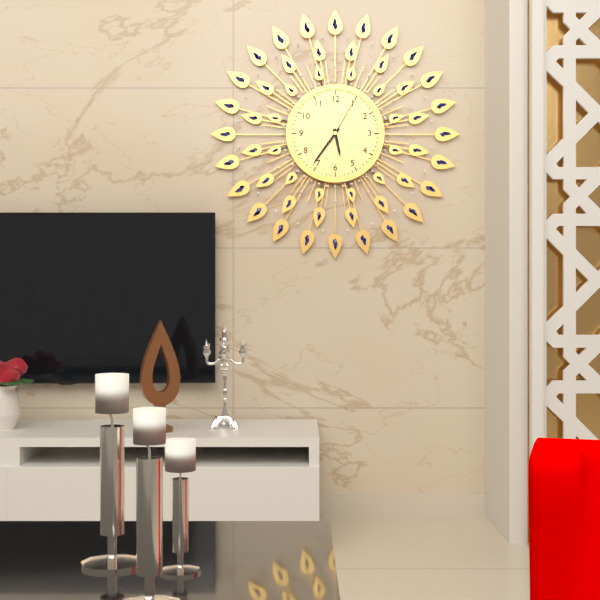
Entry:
5,36,05
